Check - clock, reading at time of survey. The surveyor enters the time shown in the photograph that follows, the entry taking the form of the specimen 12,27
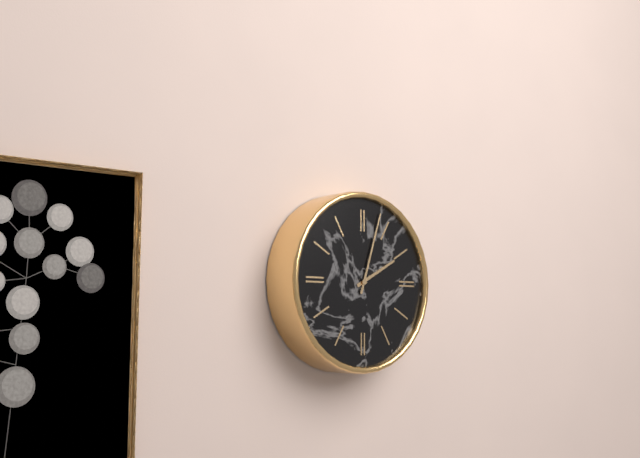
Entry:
2,03
